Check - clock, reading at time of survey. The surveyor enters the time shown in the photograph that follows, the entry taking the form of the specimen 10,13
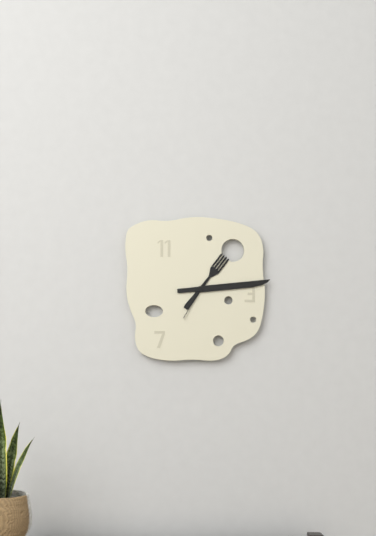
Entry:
1,14
